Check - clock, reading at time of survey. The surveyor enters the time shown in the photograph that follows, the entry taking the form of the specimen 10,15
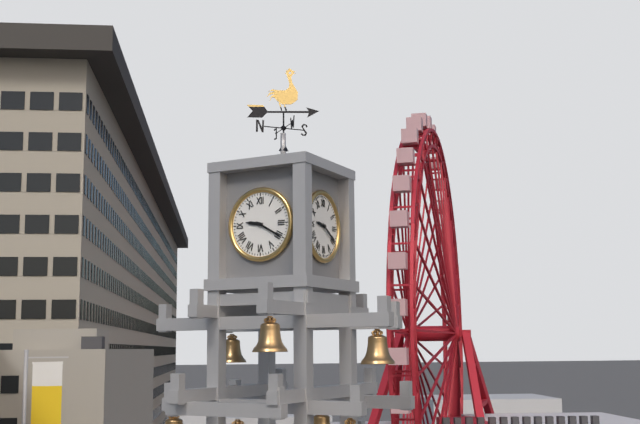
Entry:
9,20
